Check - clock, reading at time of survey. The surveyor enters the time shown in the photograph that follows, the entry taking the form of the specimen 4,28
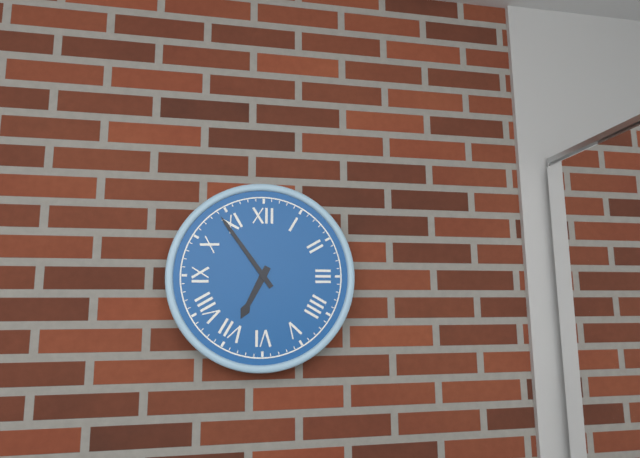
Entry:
6,54
